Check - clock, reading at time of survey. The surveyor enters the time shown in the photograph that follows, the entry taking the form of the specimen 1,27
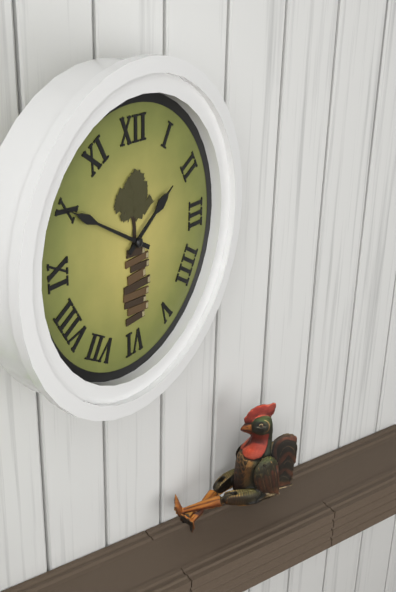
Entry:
1,50
